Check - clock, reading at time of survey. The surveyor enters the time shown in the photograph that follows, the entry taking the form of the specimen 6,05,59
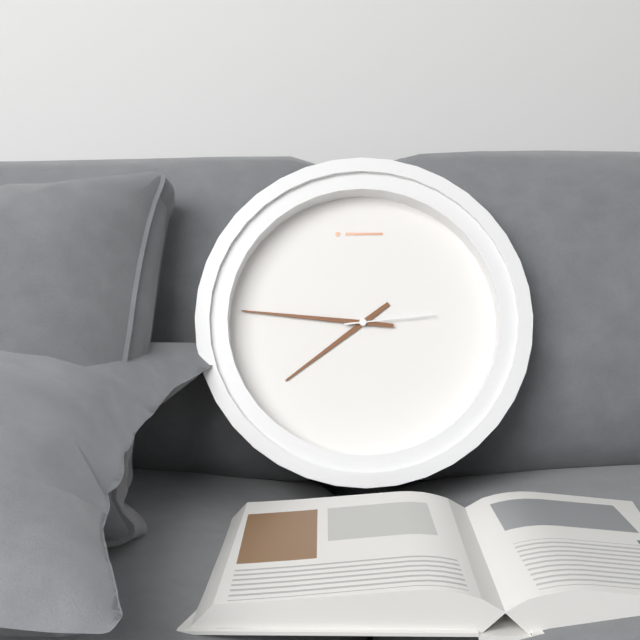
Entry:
7,46,14
